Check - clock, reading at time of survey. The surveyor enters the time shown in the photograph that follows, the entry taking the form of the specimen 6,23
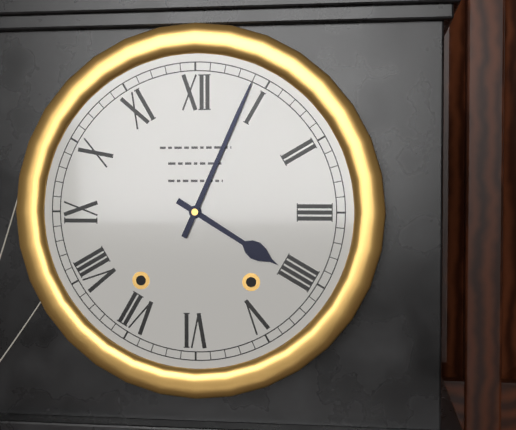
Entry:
4,04
